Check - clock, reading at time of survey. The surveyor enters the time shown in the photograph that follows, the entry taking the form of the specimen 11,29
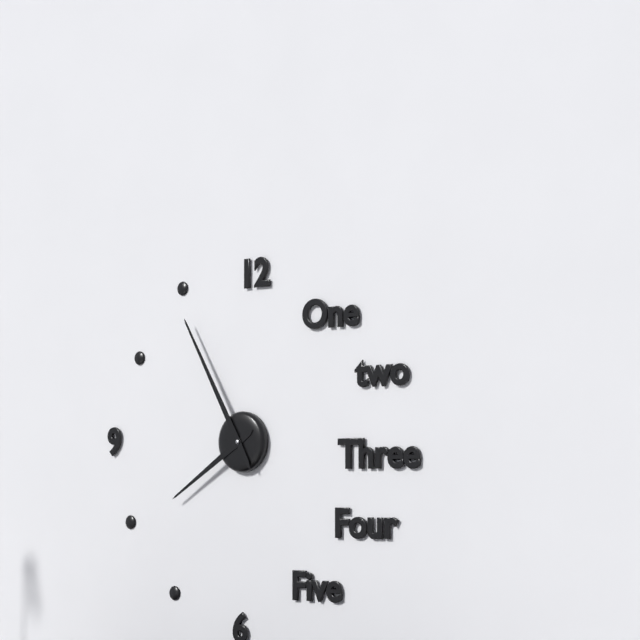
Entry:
7,55
